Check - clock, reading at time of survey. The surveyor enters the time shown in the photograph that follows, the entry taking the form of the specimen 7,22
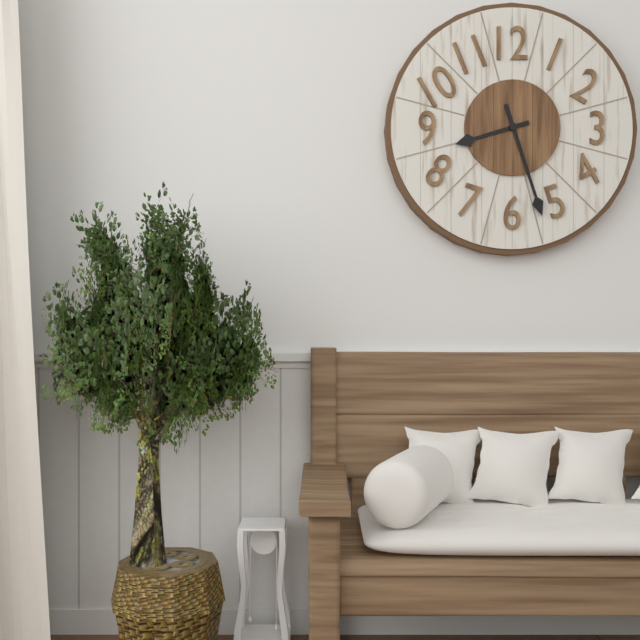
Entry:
8,27
